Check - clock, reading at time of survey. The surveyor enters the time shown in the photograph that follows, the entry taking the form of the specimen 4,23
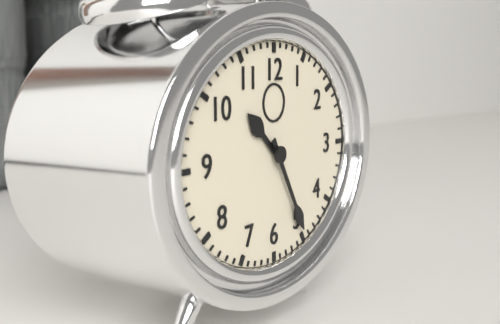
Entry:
10,25
